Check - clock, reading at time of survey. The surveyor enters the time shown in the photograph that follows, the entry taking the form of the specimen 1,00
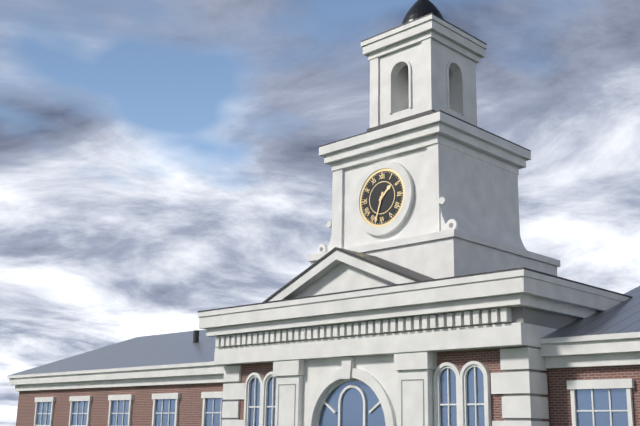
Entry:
1,33
